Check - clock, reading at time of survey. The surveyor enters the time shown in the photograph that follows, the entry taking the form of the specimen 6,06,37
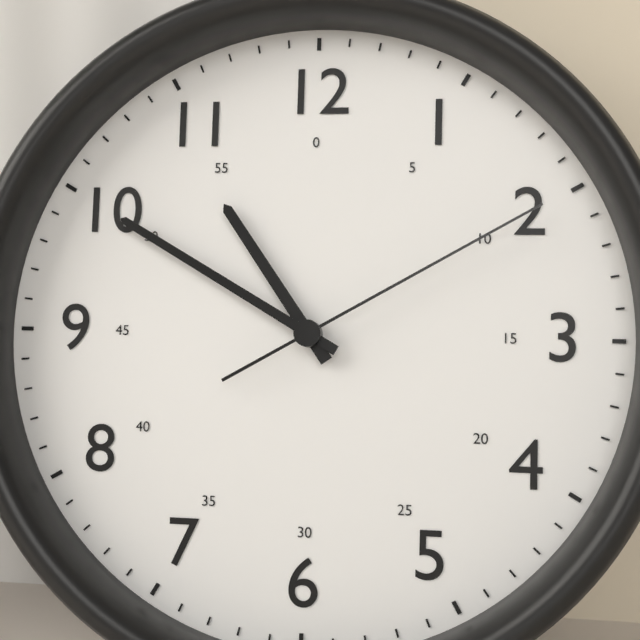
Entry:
10,50,10
